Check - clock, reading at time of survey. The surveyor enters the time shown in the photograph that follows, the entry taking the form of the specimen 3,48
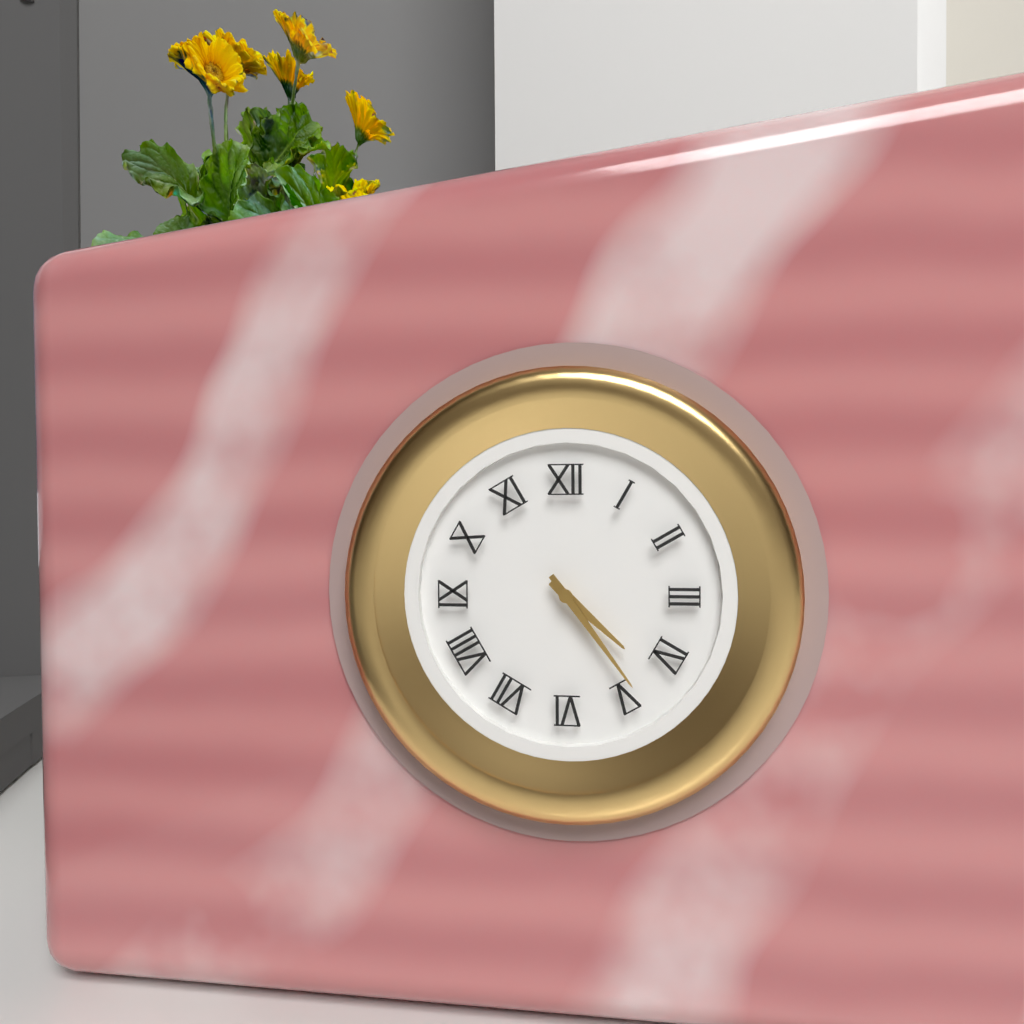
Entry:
4,24
